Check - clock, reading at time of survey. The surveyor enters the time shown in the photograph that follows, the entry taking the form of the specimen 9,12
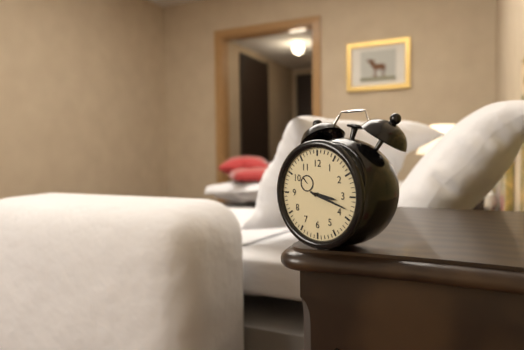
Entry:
3,18
